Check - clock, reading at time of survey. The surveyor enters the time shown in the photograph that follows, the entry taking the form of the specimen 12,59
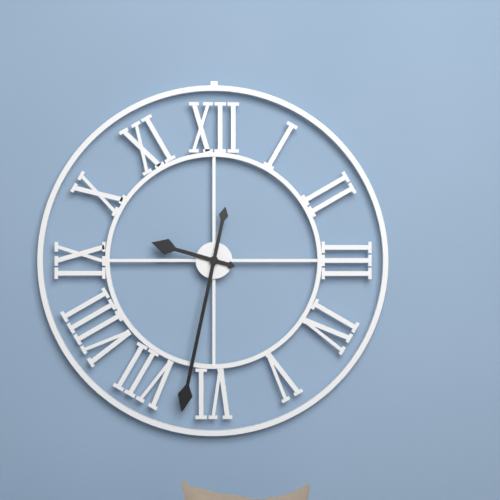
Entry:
9,32
